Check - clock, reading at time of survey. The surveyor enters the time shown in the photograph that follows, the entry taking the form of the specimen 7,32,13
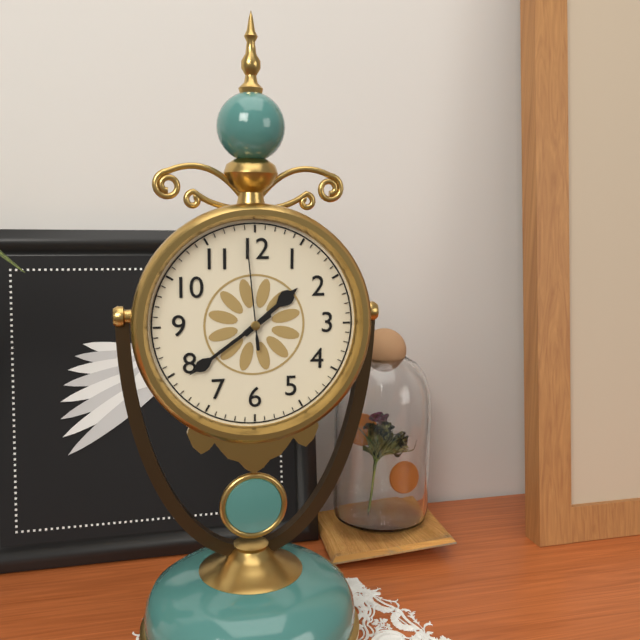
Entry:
1,39,59
